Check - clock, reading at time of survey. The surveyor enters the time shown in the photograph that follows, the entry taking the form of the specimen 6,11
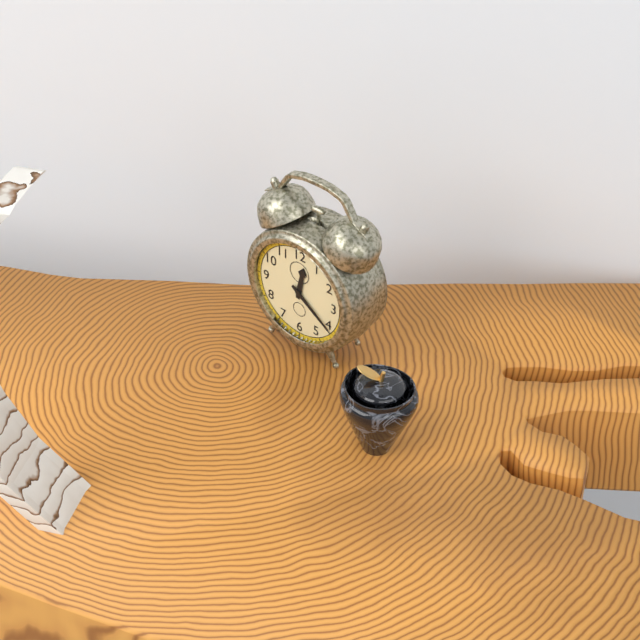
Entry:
12,21
